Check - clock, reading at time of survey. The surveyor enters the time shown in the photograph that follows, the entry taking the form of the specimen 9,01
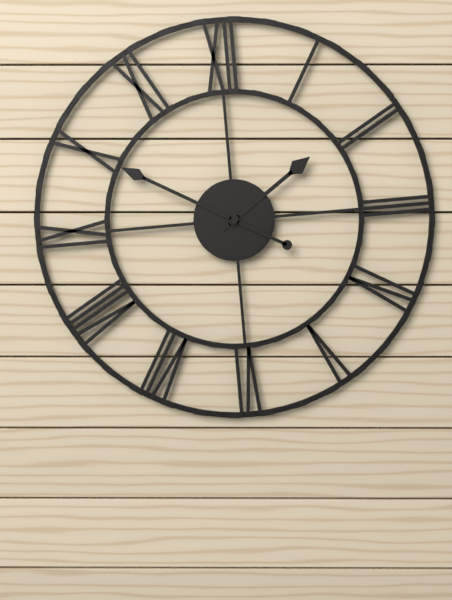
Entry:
1,50
